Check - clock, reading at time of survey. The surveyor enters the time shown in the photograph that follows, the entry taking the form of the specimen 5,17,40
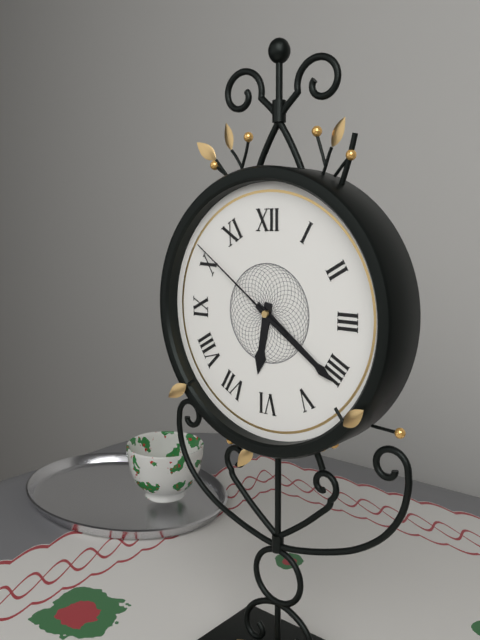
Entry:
6,21,51
